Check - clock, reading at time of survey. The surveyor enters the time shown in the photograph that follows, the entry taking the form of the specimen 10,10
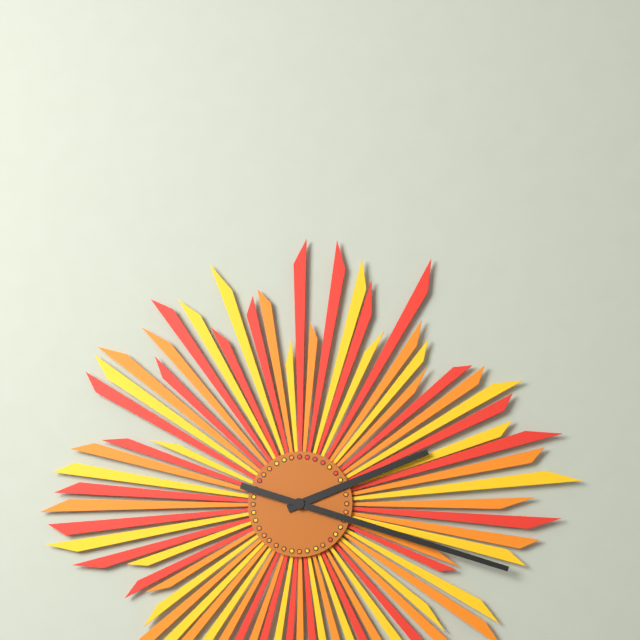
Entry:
2,18
